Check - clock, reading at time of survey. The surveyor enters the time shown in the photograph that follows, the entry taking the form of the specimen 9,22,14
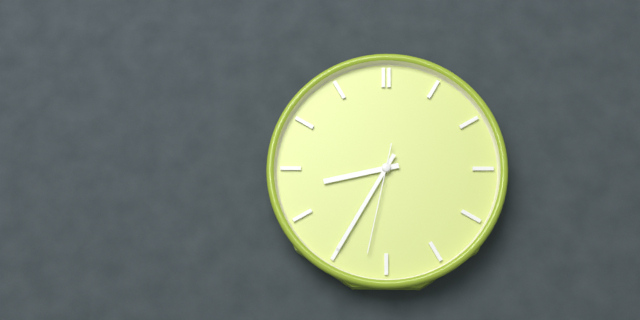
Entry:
8,35,32
